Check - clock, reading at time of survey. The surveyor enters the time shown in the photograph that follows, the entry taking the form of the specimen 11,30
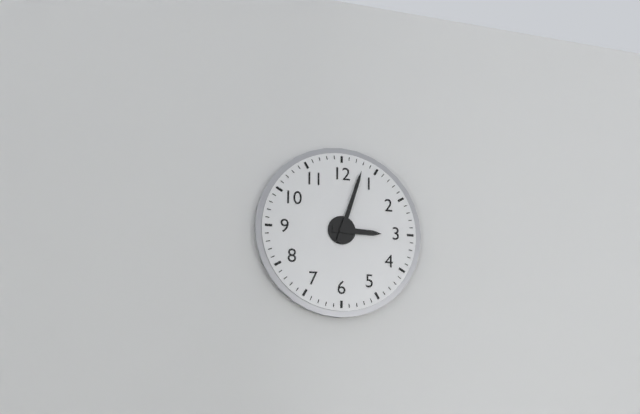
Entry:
3,03
